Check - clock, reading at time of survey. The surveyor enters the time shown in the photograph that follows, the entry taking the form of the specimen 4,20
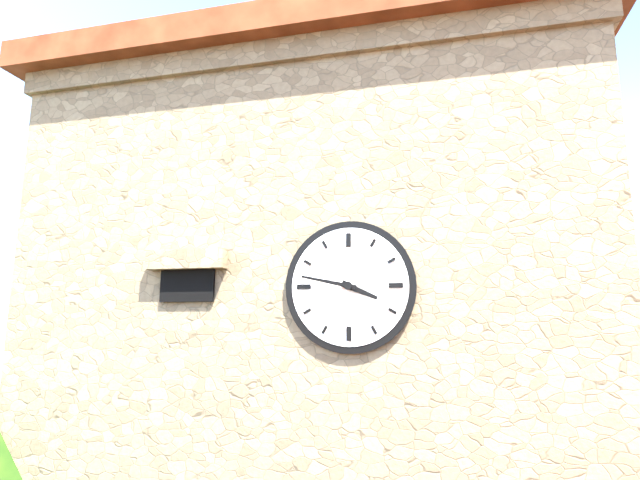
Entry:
3,47
